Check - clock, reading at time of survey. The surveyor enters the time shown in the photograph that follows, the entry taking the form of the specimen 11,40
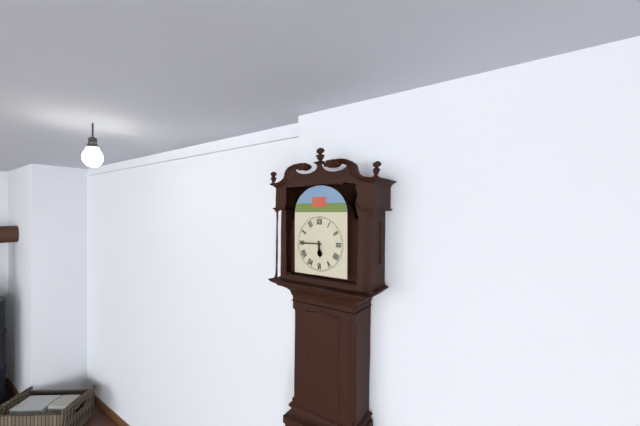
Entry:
5,45
